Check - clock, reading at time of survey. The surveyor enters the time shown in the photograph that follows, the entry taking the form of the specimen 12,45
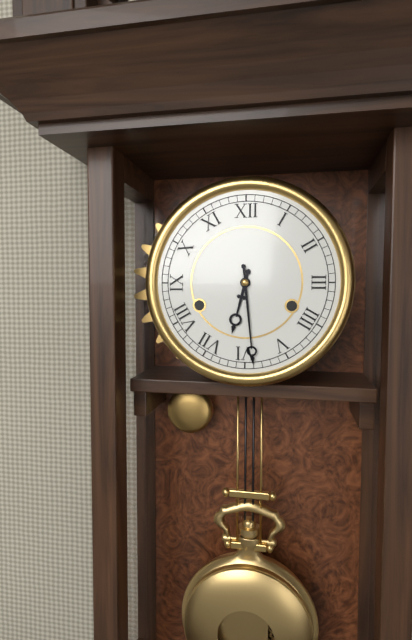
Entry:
6,29
